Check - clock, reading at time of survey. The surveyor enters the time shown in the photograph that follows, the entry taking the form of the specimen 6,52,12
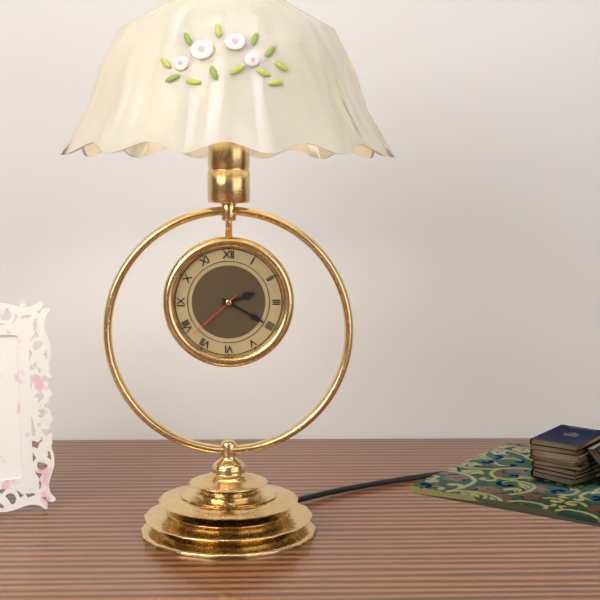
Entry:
2,20,38
